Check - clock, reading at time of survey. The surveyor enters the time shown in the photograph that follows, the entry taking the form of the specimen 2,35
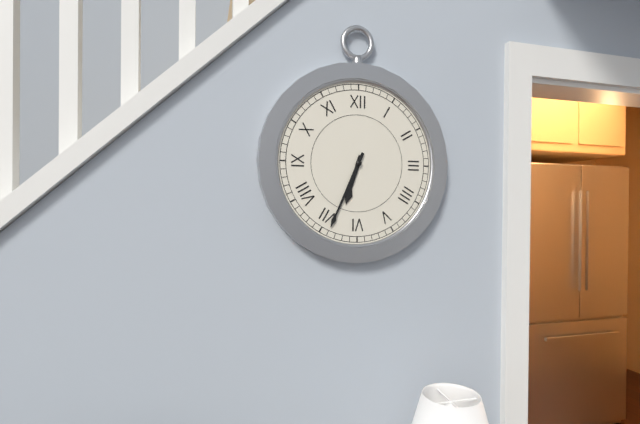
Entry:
6,34
